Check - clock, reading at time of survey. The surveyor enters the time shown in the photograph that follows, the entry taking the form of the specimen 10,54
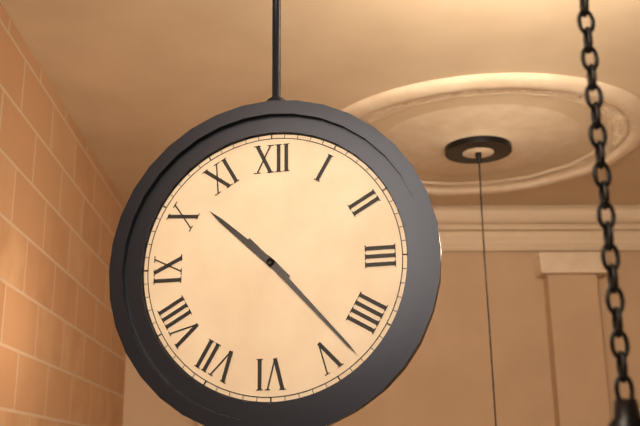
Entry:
10,23
